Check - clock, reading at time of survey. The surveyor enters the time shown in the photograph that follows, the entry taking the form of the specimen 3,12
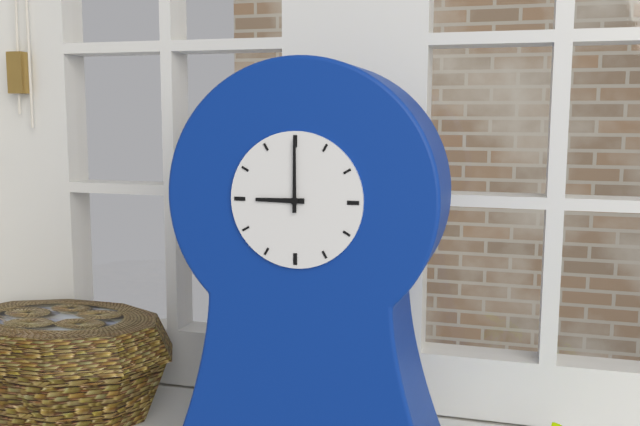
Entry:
9,00
